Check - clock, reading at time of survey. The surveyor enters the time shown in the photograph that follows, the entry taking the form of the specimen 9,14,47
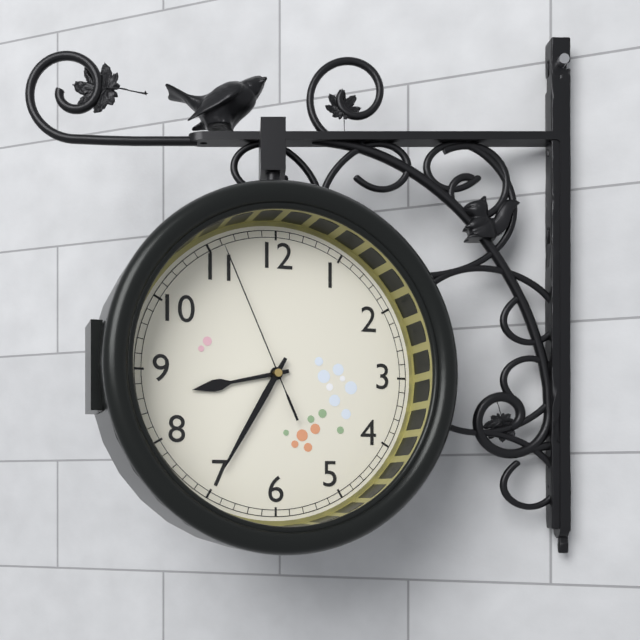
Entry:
8,35,56
